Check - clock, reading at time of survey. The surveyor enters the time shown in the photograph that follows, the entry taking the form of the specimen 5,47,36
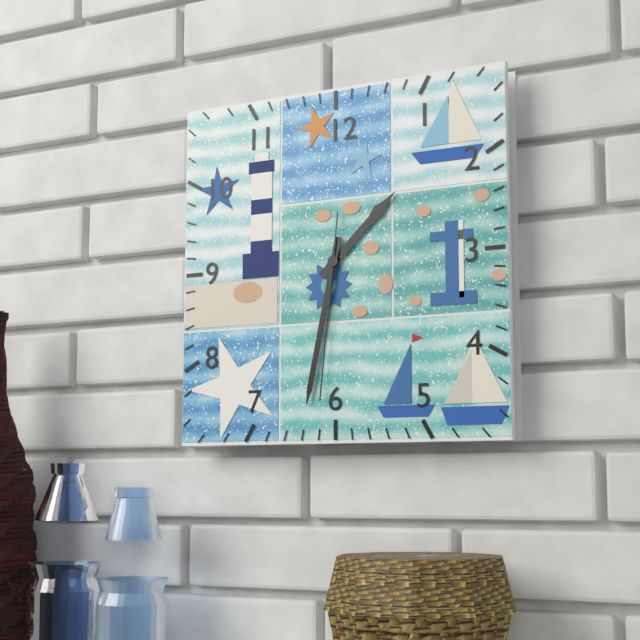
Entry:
1,32,31
